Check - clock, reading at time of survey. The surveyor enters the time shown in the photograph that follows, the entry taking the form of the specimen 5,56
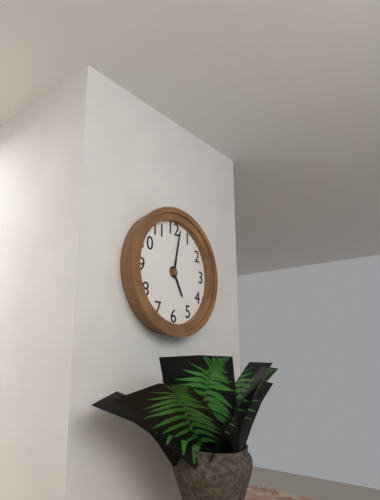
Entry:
5,02
